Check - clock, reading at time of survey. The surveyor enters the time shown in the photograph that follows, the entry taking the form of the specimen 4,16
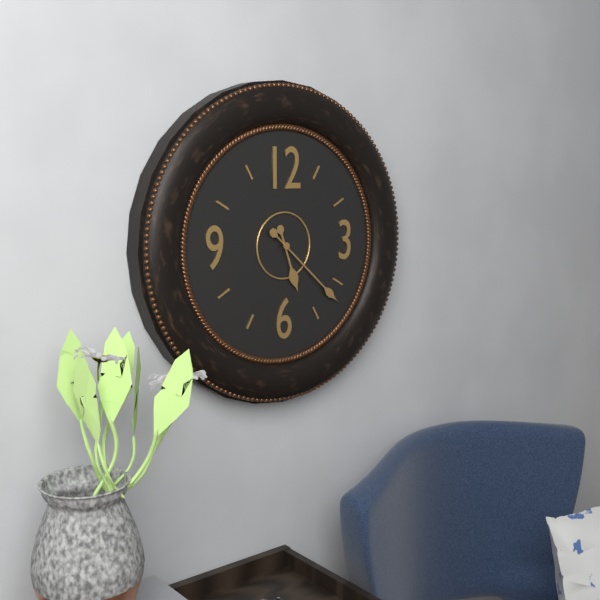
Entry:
5,22
